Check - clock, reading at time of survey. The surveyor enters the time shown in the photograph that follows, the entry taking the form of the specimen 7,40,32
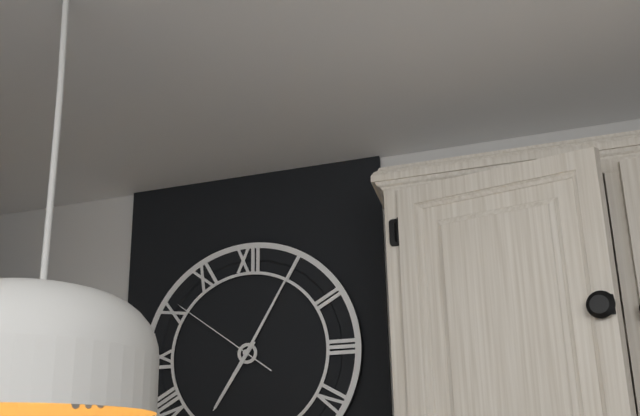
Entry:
7,05,51
